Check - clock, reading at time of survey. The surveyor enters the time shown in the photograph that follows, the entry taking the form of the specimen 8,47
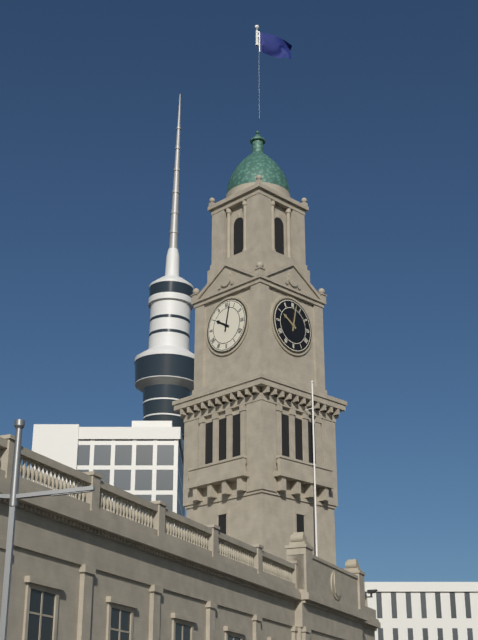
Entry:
10,02
